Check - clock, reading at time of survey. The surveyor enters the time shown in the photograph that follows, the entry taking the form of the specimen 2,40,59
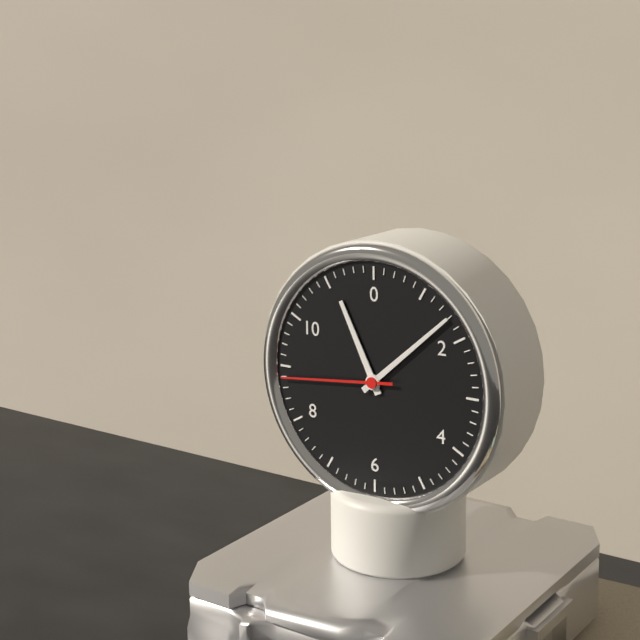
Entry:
11,08,44
